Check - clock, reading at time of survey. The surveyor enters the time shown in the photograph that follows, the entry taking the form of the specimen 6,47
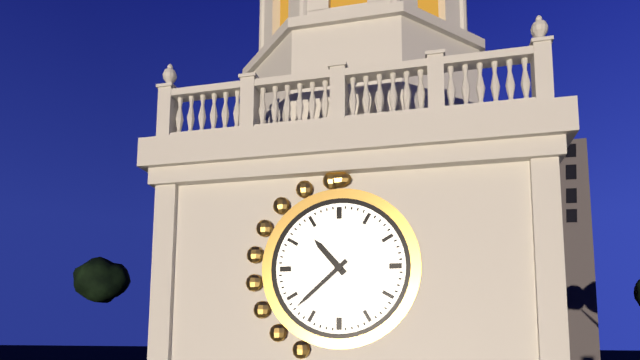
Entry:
10,38
